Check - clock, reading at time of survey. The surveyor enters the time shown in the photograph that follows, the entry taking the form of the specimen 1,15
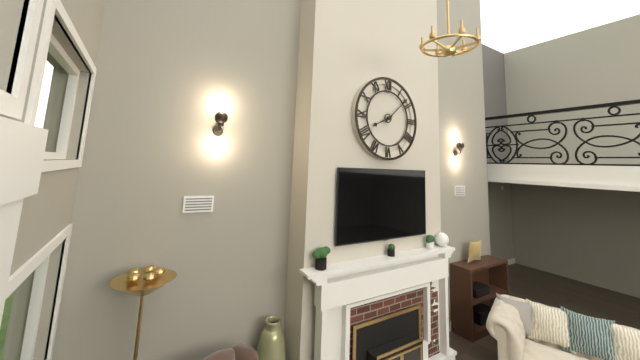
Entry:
8,08
